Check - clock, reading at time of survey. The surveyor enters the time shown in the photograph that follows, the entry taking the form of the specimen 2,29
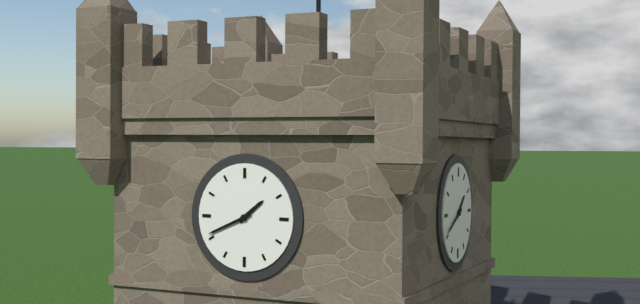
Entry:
1,41
